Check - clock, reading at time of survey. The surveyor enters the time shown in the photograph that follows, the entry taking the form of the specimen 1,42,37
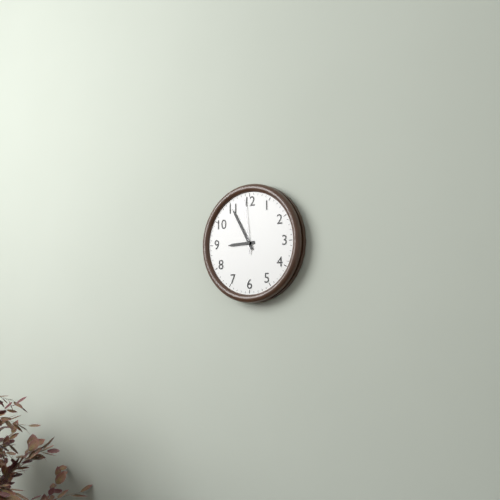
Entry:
8,55,59
